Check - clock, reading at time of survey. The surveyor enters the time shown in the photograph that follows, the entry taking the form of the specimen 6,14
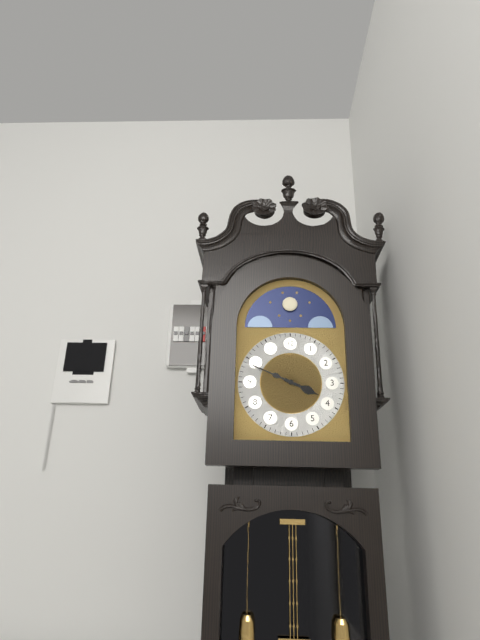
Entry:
3,49
